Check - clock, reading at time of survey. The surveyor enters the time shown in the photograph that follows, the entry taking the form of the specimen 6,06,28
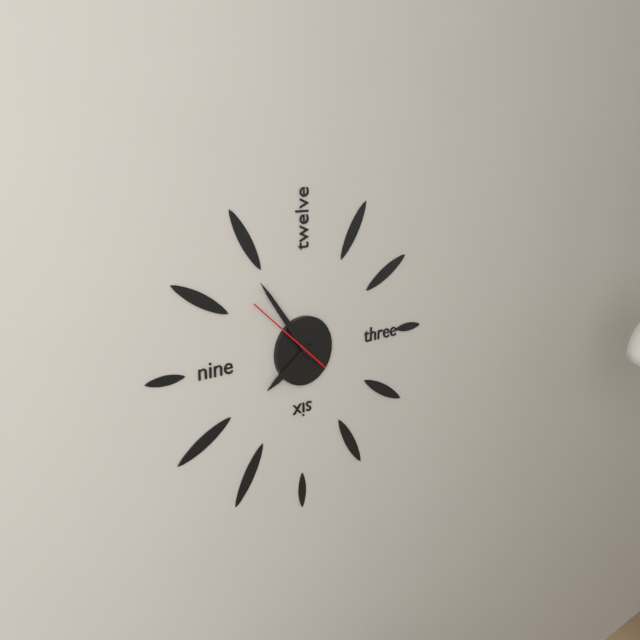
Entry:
7,54,52
